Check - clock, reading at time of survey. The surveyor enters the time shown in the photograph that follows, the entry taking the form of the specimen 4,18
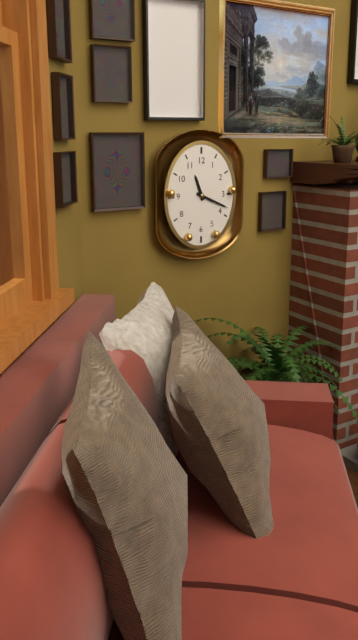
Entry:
11,19
